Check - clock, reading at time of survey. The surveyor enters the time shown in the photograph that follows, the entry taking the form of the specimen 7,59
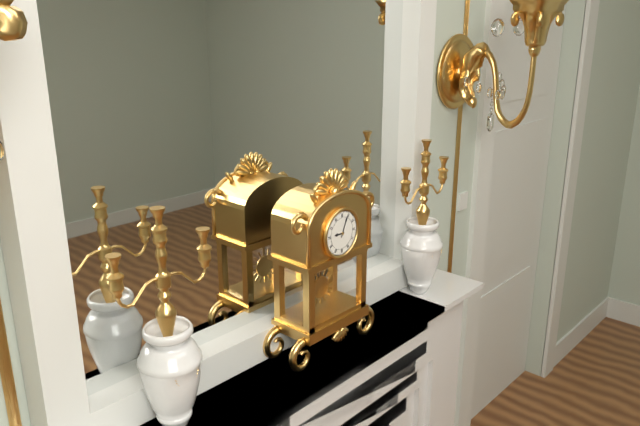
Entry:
9,04
